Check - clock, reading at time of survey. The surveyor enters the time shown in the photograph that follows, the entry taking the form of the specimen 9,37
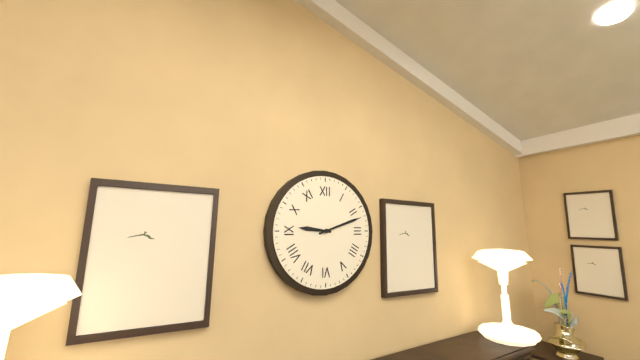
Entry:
9,12
